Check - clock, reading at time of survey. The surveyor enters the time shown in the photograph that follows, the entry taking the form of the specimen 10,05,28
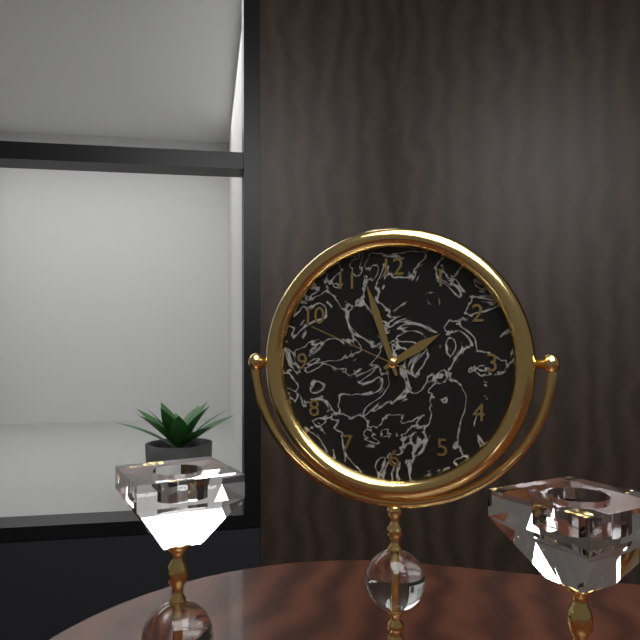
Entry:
1,57,49
